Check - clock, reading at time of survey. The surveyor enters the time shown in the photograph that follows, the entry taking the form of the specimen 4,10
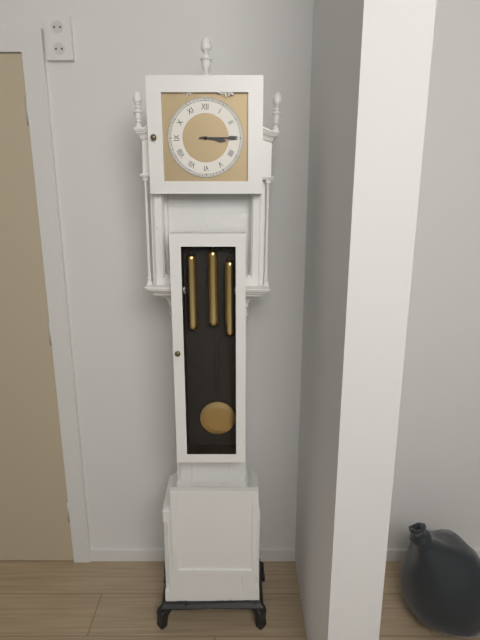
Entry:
3,15
